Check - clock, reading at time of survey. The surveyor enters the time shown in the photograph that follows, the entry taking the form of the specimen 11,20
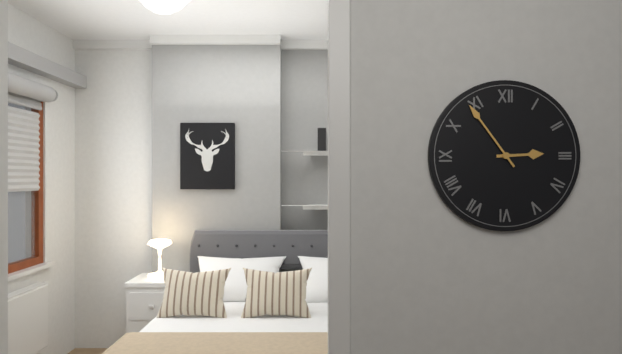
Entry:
2,54
